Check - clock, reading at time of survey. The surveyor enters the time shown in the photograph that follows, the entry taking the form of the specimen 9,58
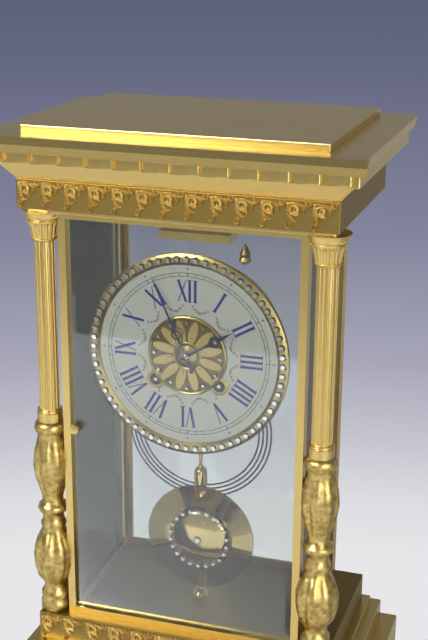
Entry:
1,56
